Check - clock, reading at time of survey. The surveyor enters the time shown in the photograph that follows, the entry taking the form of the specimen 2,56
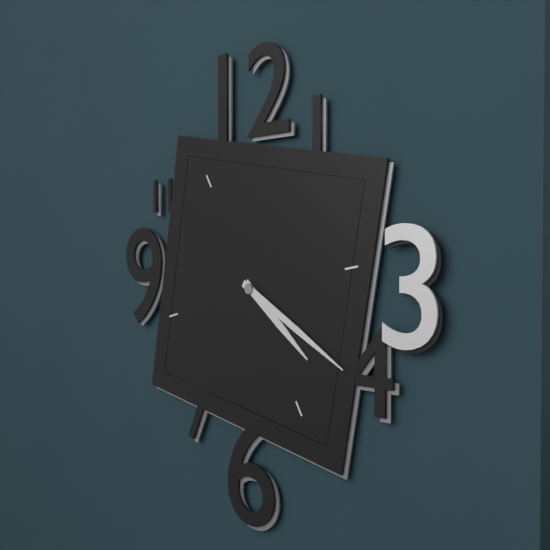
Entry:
4,20
